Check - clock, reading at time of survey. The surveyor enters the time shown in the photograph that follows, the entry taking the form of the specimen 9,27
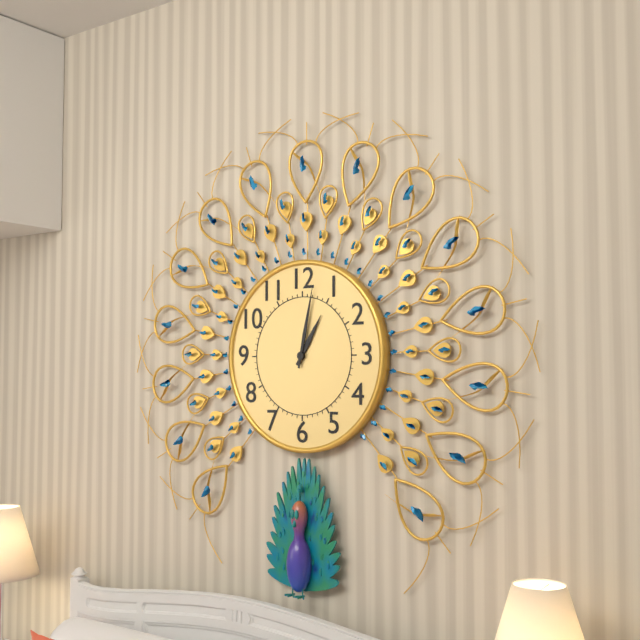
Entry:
1,02
